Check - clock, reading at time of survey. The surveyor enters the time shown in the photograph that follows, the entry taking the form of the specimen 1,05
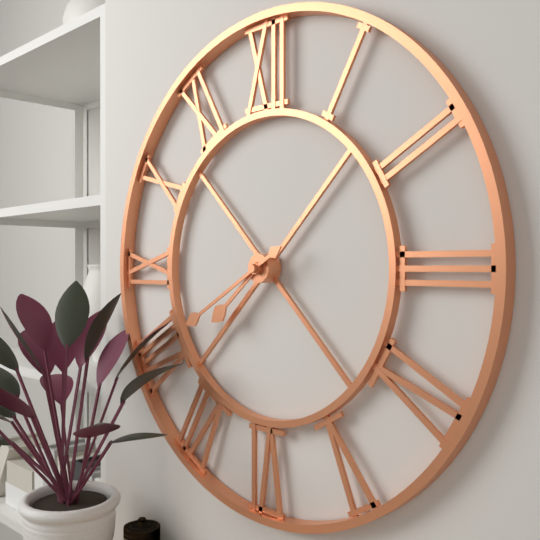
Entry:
7,40
